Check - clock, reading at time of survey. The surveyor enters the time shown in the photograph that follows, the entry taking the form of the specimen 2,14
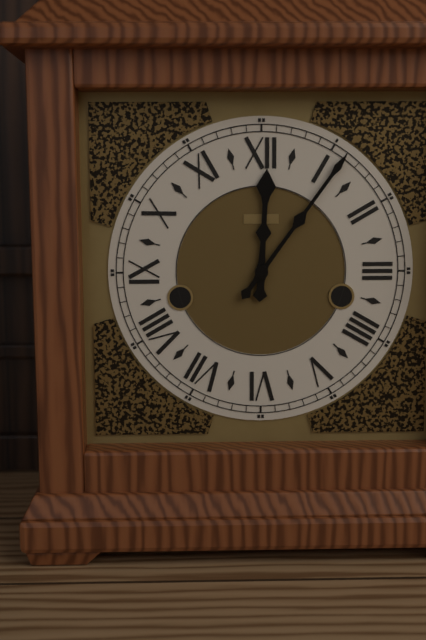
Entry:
12,06
